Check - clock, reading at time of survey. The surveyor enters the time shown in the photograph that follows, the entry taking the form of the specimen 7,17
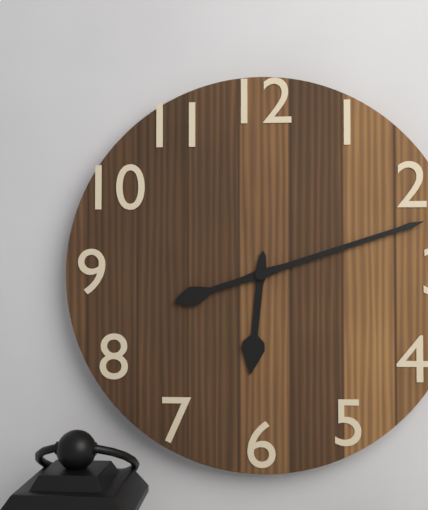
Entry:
6,12
